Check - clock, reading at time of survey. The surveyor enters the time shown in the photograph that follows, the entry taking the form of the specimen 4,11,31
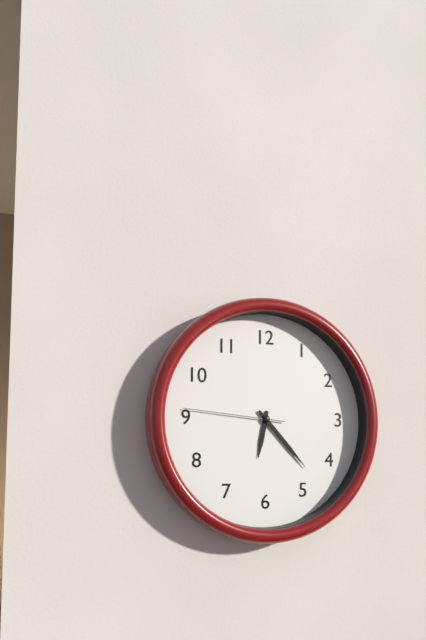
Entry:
6,23,46
